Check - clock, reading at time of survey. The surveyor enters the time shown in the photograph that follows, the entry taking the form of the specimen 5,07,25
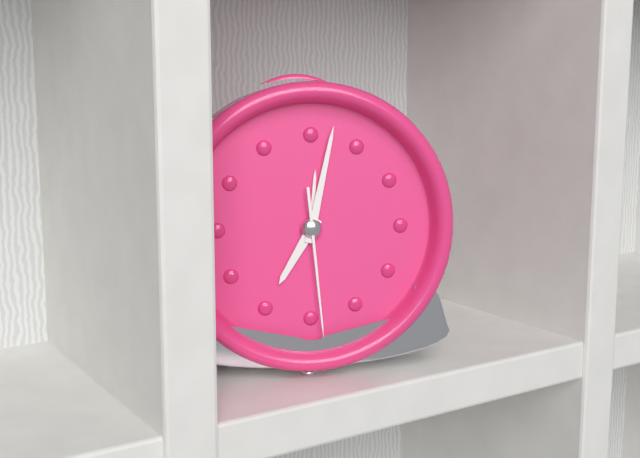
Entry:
7,02,29
